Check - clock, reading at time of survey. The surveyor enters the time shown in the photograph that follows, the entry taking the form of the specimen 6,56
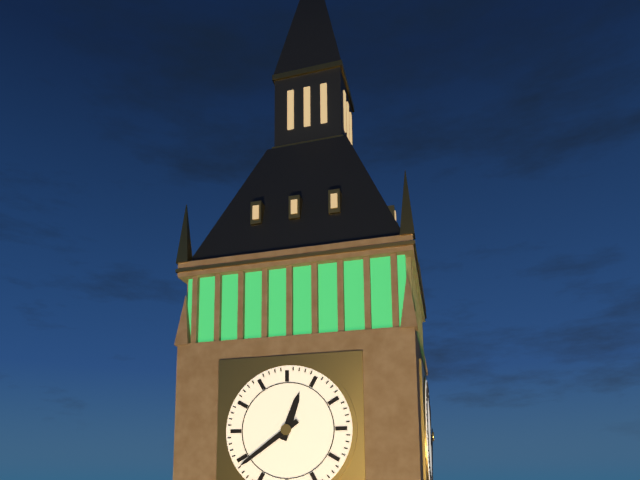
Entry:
12,39
